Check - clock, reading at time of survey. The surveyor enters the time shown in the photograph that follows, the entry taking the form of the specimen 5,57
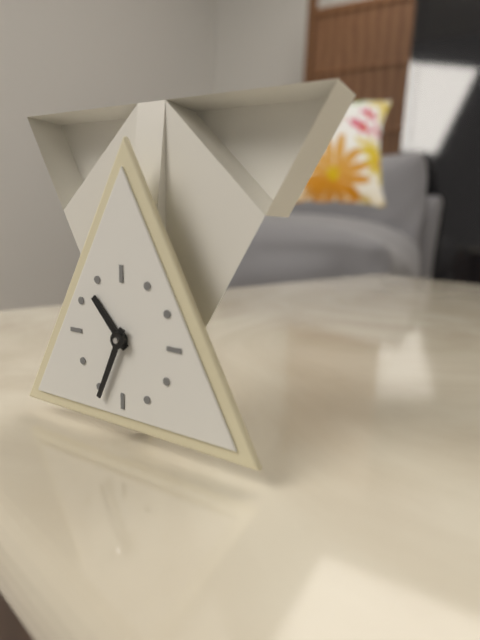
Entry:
10,34
